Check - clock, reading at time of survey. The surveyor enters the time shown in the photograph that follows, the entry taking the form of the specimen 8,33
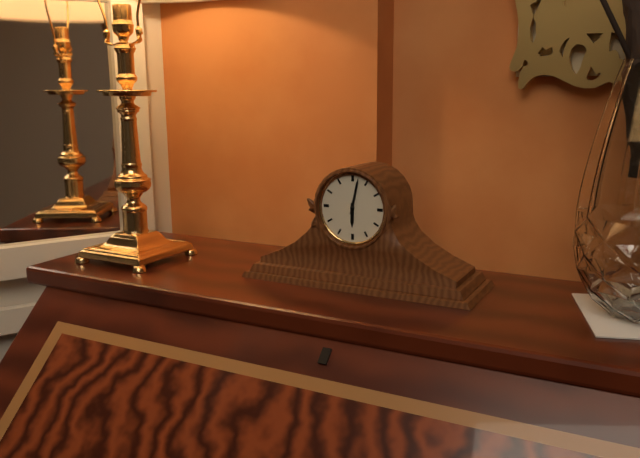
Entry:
6,02
